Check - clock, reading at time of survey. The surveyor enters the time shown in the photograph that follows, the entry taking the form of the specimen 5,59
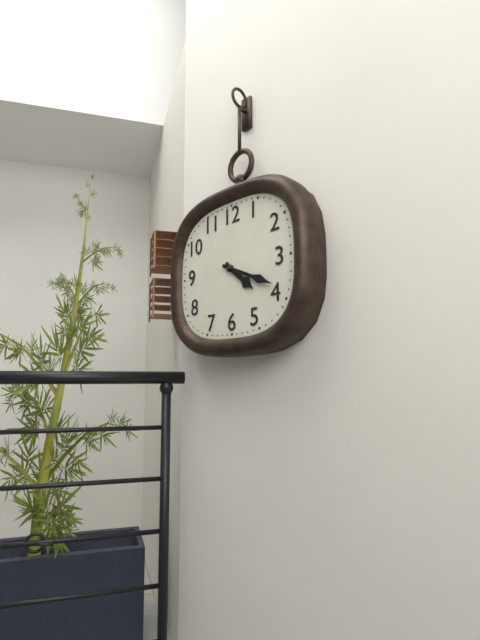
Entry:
4,19
